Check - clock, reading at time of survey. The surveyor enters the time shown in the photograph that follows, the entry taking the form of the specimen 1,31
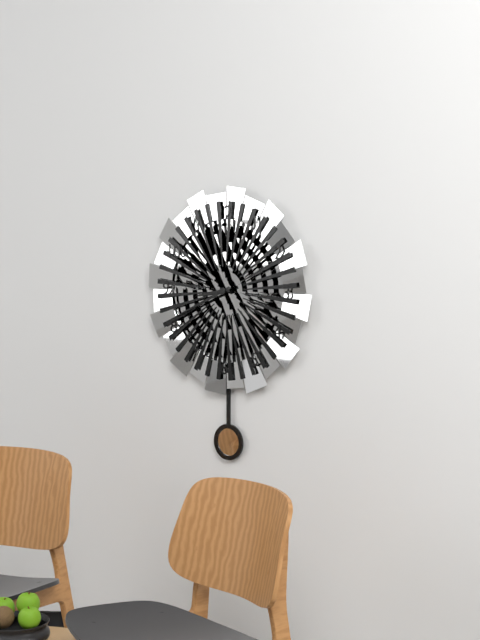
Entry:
8,41
